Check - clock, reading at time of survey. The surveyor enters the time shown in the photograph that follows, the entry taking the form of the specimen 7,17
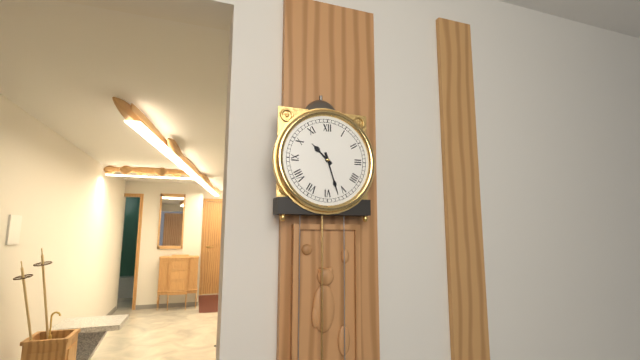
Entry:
10,27
